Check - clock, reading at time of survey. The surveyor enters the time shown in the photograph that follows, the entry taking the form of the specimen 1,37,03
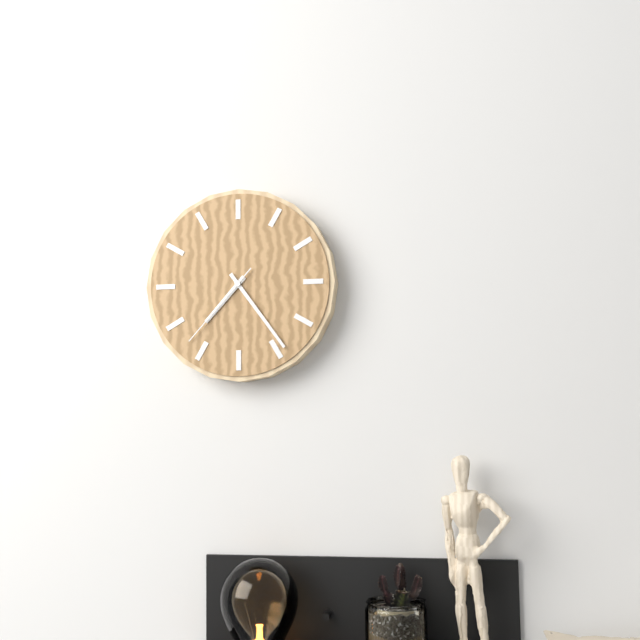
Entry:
7,24,37
